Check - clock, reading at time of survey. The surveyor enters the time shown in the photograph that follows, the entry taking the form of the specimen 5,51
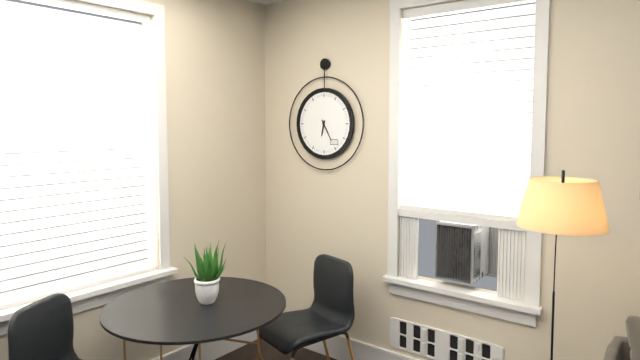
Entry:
6,25
